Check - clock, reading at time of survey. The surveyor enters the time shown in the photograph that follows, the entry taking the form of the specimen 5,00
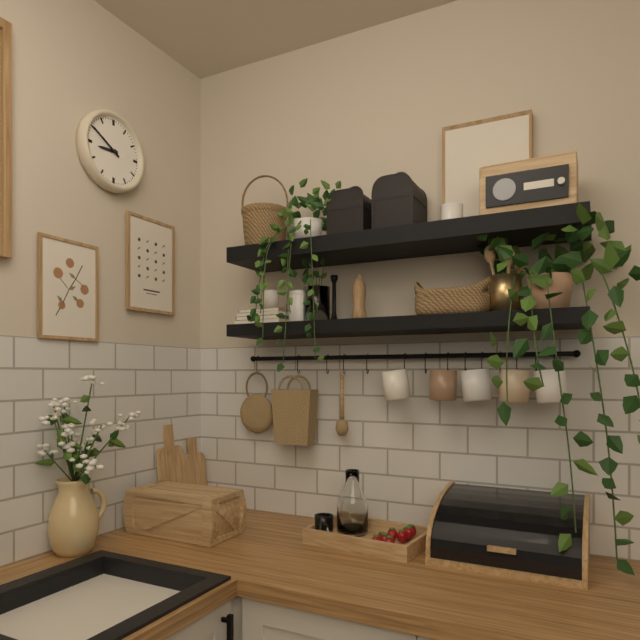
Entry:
8,50
